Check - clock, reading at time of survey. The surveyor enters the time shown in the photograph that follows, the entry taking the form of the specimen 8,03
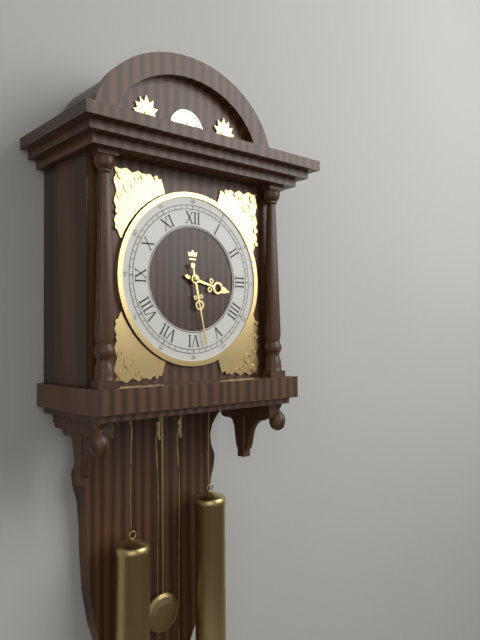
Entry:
3,28
